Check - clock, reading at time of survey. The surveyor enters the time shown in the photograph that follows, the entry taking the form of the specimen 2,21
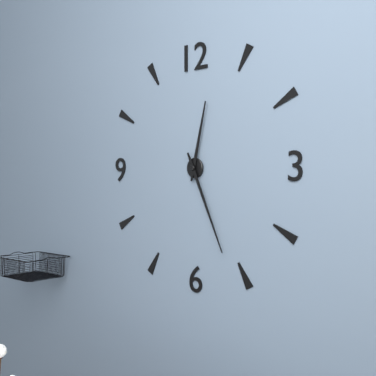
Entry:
12,26
